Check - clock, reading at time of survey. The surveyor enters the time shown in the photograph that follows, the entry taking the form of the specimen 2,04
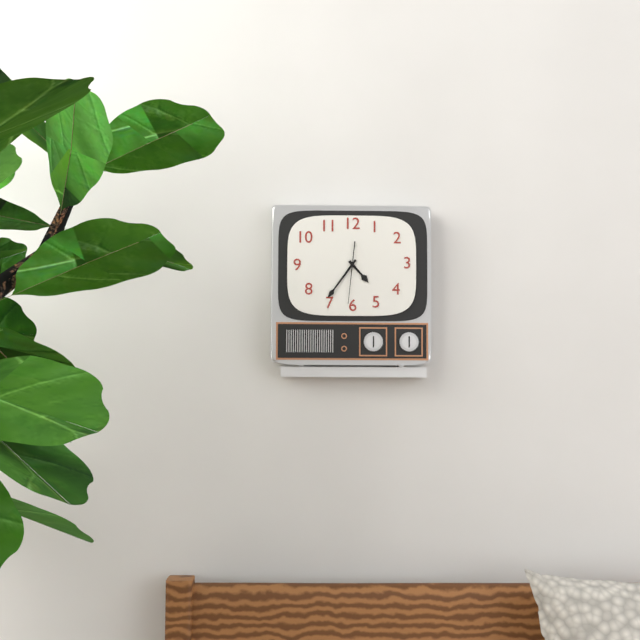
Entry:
4,36
